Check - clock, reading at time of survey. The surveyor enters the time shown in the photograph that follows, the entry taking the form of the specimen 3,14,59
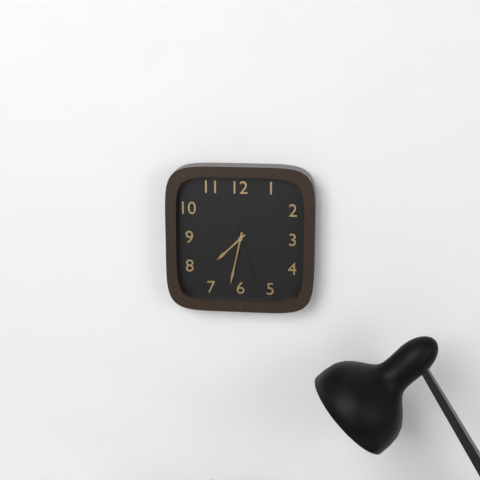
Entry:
7,32,27
